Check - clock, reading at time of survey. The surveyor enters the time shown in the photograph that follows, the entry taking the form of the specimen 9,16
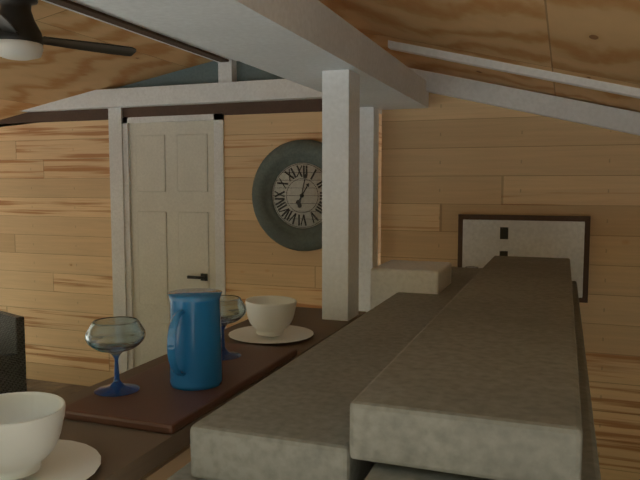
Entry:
1,02
